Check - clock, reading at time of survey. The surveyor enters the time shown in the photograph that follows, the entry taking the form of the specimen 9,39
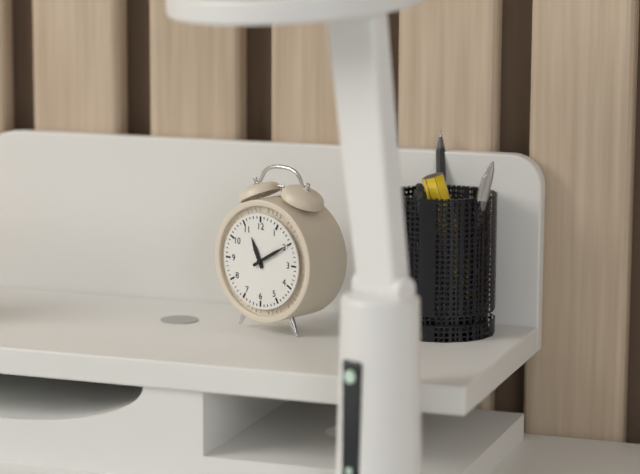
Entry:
11,10
